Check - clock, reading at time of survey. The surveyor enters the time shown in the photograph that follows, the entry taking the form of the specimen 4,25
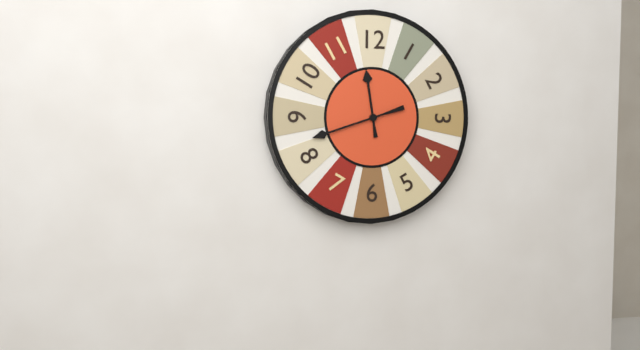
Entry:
11,42
